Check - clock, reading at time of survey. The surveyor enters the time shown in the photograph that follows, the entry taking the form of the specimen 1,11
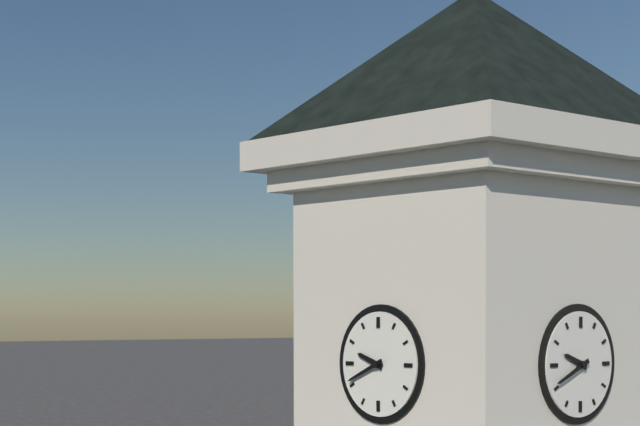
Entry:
9,41
